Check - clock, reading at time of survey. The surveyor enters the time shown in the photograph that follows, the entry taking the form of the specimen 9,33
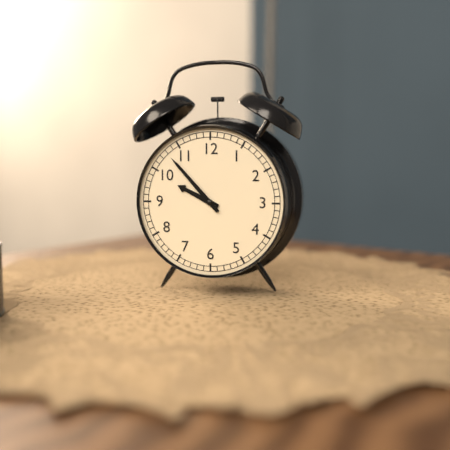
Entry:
9,53
